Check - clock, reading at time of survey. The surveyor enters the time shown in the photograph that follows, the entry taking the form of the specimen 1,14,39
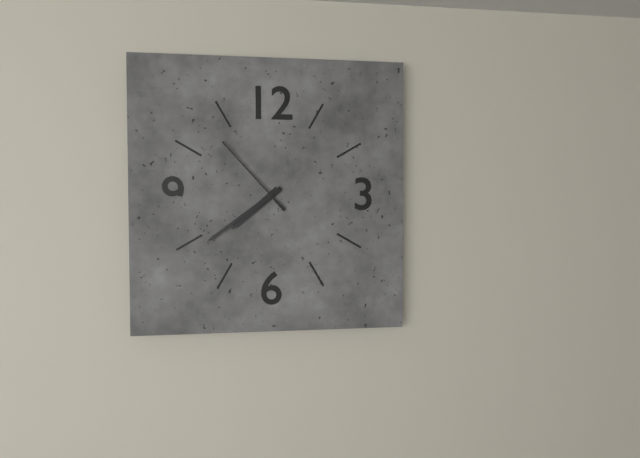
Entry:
7,39,53
